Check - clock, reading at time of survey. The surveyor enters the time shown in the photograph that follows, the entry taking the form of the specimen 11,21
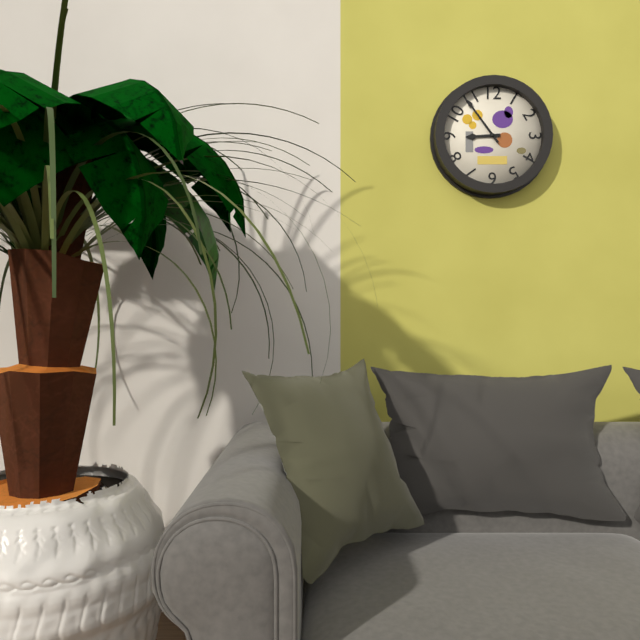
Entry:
8,54
